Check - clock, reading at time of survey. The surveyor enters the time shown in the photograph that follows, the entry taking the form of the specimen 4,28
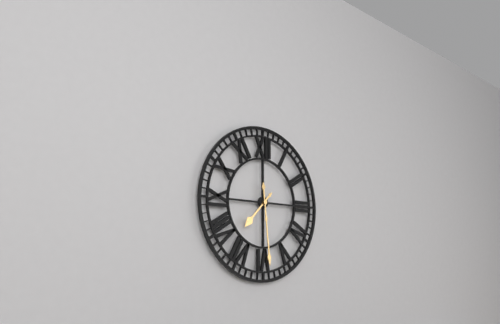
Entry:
7,29
